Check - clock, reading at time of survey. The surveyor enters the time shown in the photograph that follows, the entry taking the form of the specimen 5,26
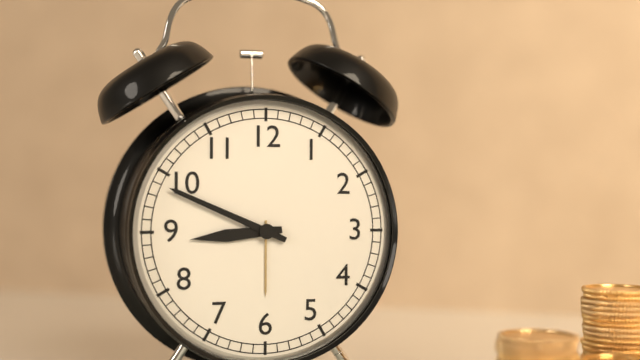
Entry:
8,49
